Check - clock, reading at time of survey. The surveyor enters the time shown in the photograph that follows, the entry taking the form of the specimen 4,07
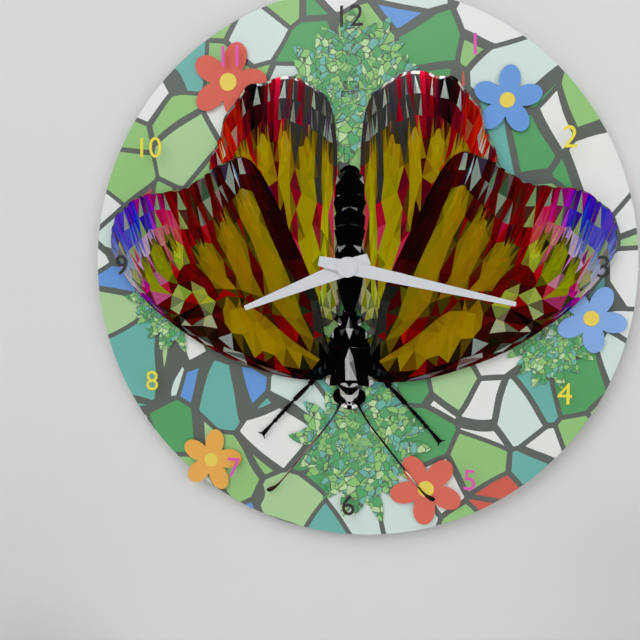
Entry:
8,17
